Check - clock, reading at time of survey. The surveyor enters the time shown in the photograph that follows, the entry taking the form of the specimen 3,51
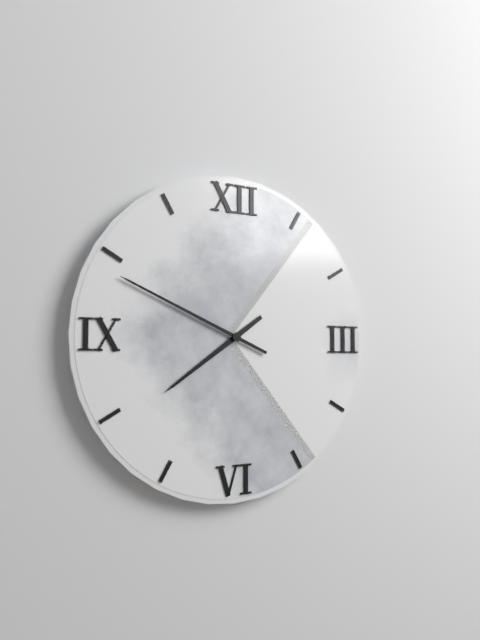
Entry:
7,49
